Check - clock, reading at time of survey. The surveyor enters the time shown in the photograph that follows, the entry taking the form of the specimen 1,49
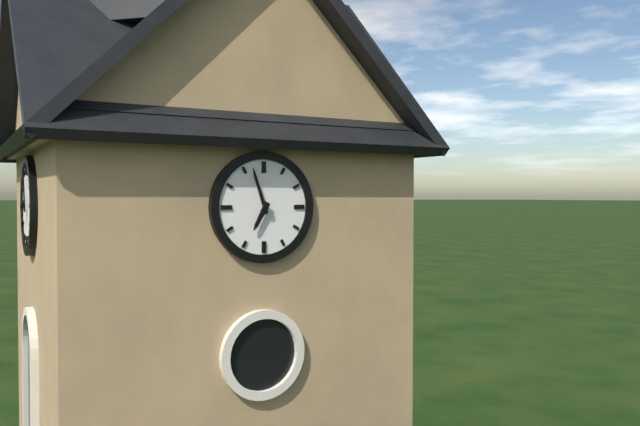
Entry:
6,57
